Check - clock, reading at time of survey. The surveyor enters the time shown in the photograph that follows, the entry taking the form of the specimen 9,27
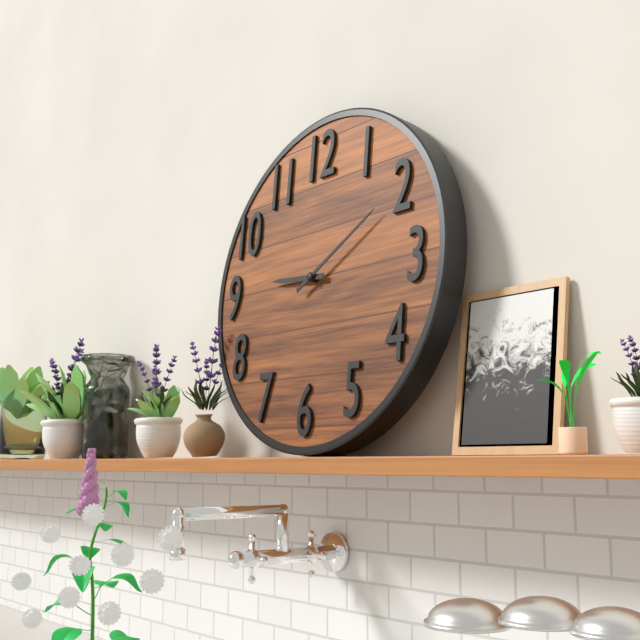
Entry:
9,10
